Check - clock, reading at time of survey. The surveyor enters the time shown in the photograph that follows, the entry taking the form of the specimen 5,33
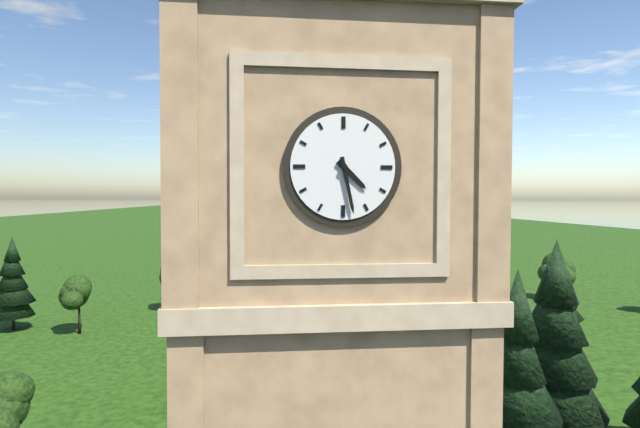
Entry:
4,28
